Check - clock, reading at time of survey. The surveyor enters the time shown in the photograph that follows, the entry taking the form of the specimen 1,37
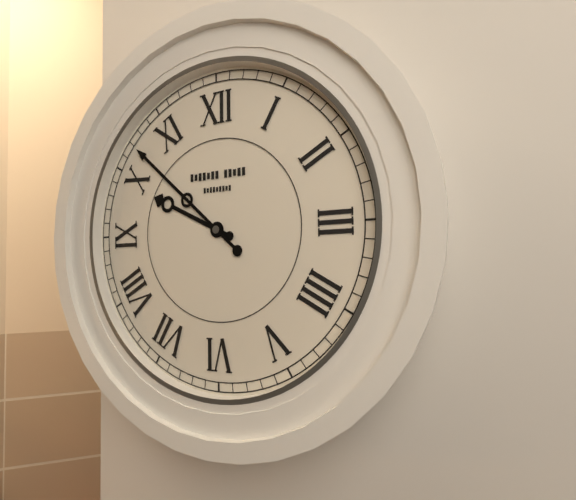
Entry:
9,52
